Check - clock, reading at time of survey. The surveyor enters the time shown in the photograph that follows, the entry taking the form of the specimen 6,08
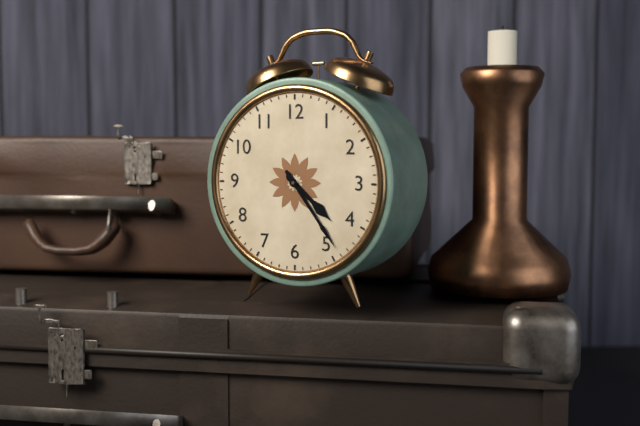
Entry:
4,24
